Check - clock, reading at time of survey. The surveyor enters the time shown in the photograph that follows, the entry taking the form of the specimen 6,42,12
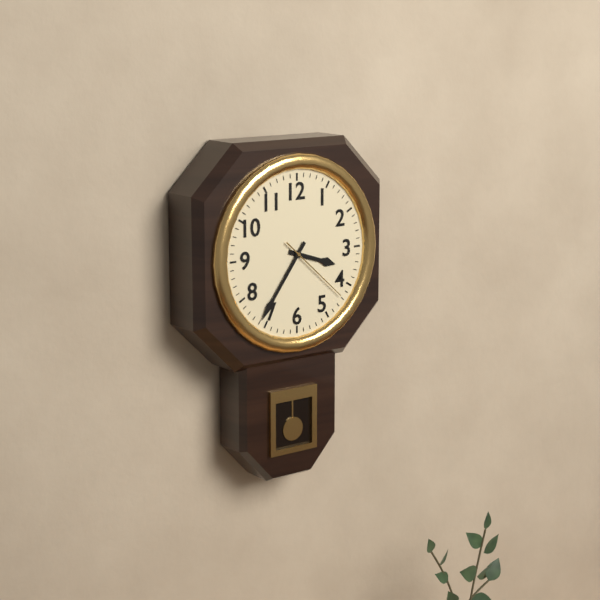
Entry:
3,36,22
